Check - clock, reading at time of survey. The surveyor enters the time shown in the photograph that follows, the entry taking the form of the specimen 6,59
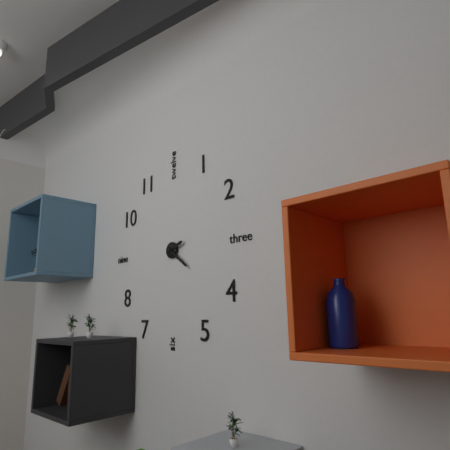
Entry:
2,21
